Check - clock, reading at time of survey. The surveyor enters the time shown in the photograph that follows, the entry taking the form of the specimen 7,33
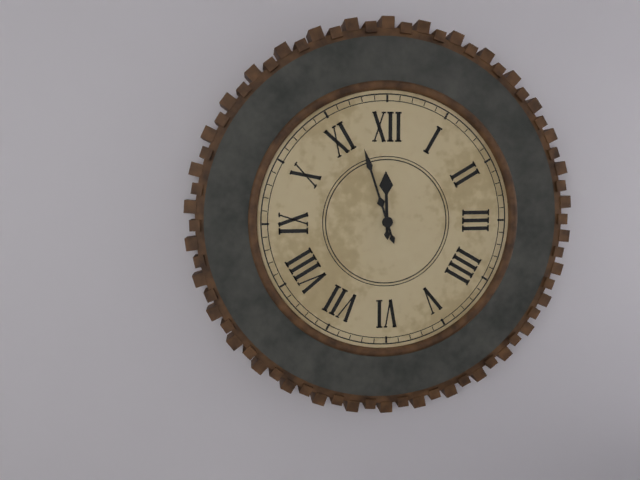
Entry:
11,57
